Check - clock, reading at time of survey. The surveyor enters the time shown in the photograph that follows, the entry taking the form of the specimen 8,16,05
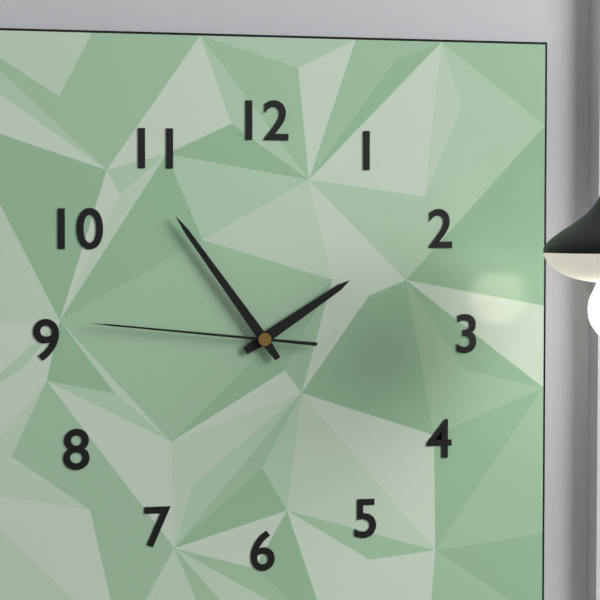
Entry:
1,54,46
